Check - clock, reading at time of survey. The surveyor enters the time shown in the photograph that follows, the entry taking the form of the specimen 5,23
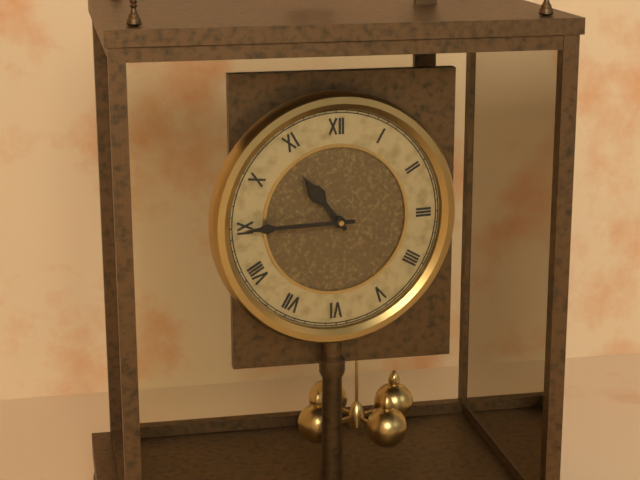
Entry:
10,45
